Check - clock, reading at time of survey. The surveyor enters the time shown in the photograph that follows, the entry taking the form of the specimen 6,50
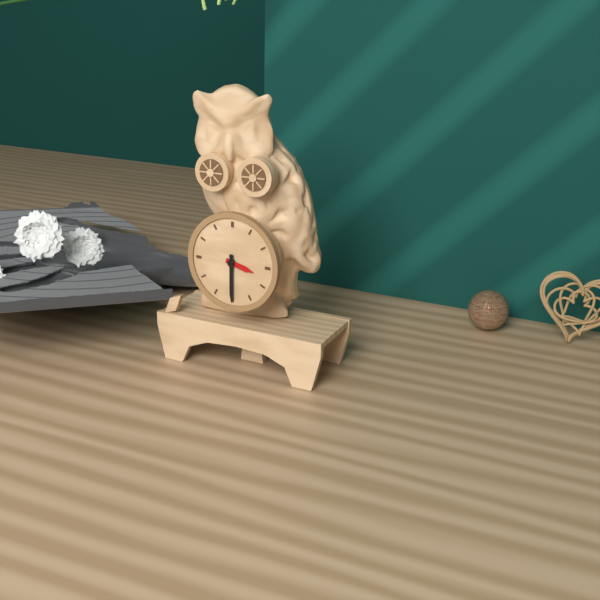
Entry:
3,30
